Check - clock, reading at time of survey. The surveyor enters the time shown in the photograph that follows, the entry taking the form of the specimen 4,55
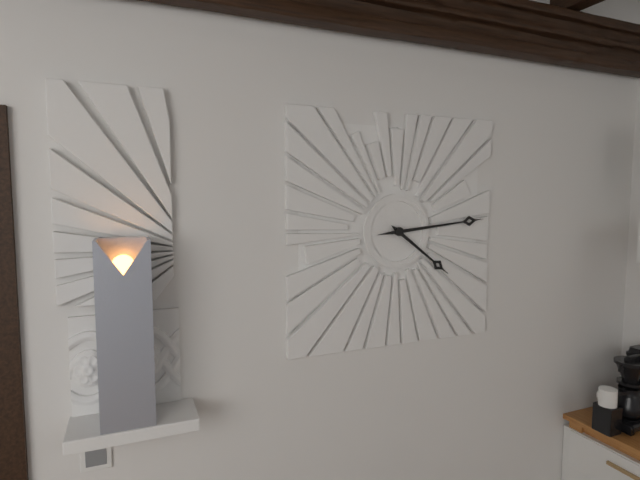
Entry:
4,14
